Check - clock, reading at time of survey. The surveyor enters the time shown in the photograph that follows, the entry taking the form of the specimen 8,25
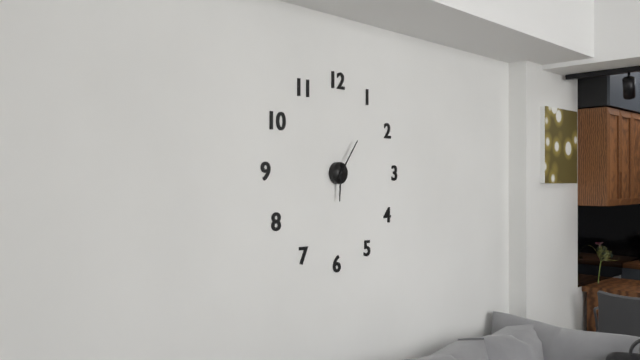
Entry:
6,06
